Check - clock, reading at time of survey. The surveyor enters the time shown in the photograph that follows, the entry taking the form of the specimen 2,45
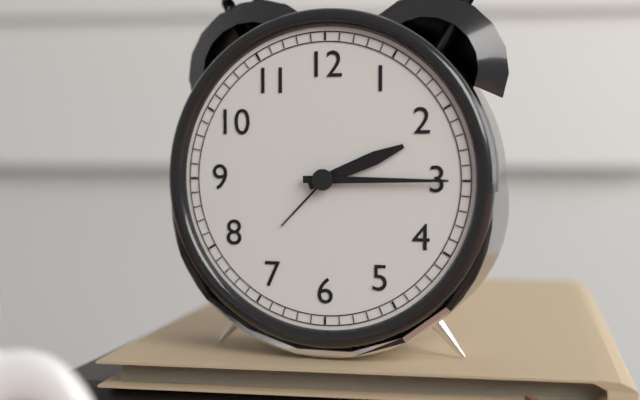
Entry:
2,15
